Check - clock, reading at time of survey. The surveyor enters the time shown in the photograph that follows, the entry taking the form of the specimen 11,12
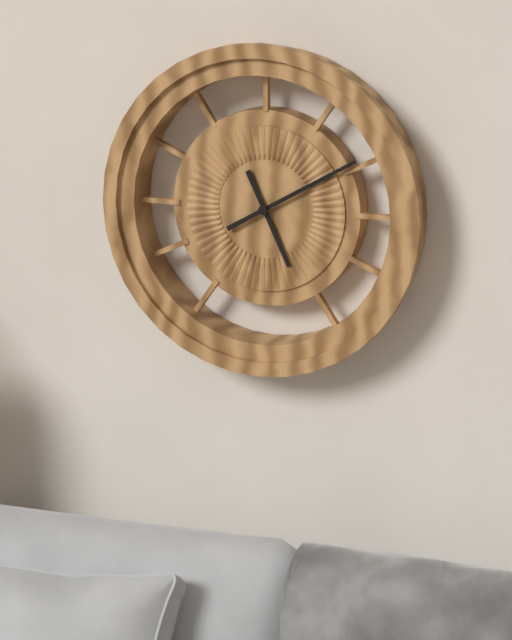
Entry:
5,10
